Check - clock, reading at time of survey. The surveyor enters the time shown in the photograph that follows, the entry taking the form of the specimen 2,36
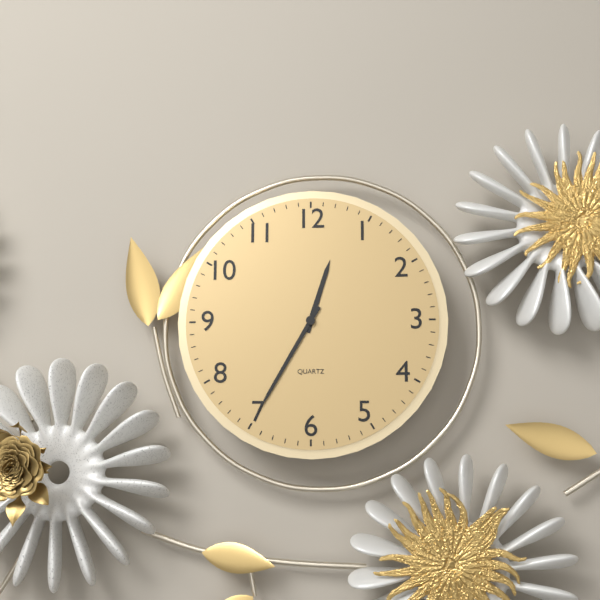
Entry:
12,35
